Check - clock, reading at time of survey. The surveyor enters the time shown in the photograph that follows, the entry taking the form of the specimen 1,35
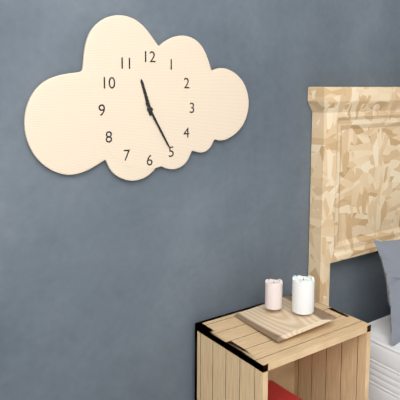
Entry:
11,25
